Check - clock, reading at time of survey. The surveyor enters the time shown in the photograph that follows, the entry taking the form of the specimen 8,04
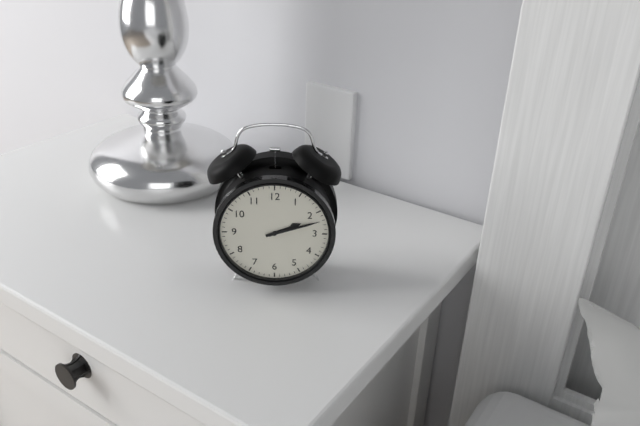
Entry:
2,12
